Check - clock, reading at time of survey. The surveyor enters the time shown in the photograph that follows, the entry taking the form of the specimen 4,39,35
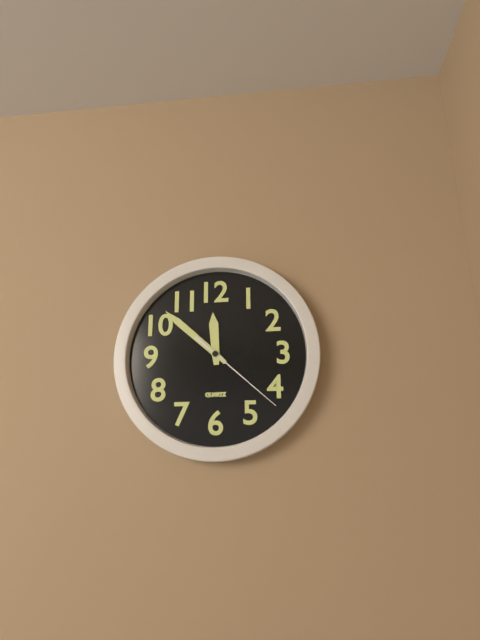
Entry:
11,52,22
